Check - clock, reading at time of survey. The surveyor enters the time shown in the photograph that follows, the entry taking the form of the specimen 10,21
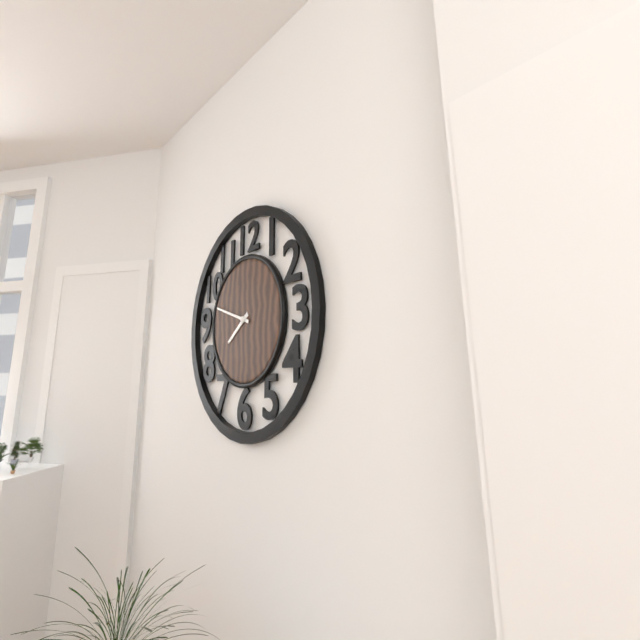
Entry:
7,48
